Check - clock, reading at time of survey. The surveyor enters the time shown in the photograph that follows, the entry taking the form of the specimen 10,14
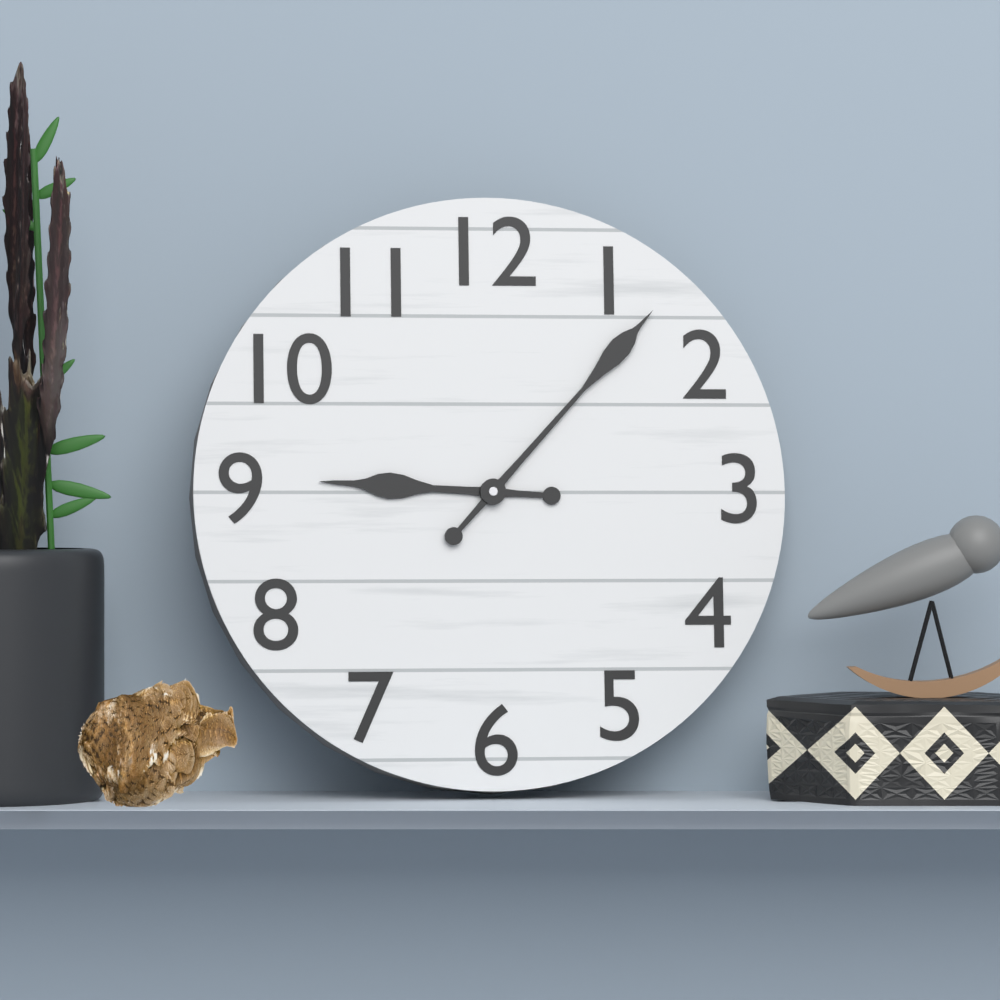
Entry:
9,07
